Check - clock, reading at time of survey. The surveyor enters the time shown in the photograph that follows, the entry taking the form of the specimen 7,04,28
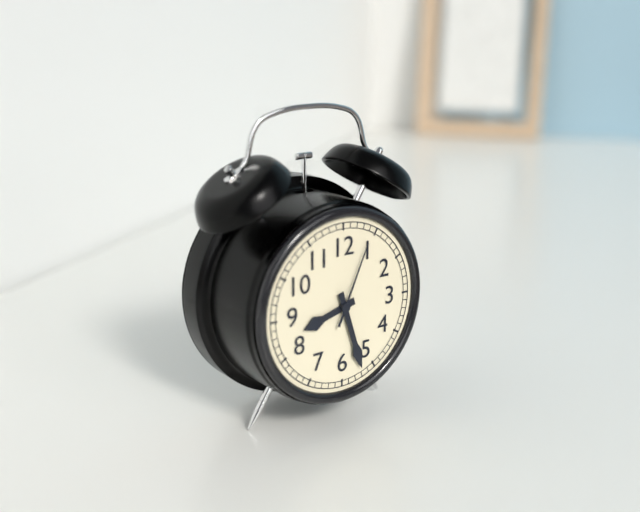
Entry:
8,27,04
